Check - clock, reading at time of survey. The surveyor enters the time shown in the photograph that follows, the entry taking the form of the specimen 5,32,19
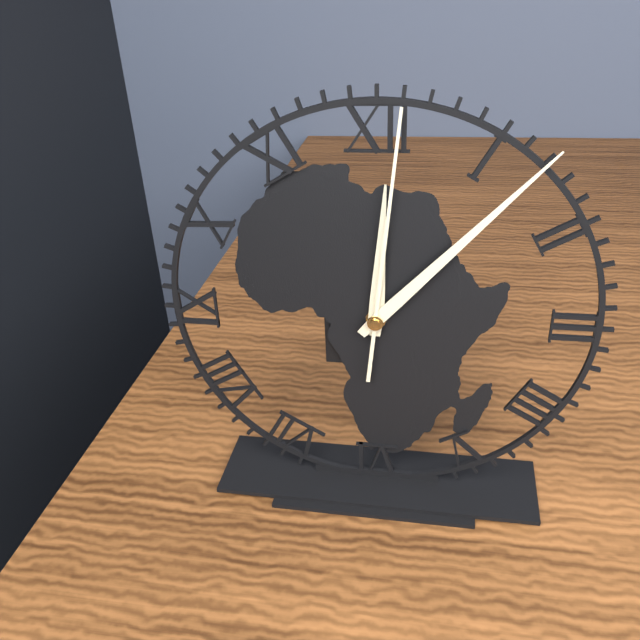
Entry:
12,07,01
